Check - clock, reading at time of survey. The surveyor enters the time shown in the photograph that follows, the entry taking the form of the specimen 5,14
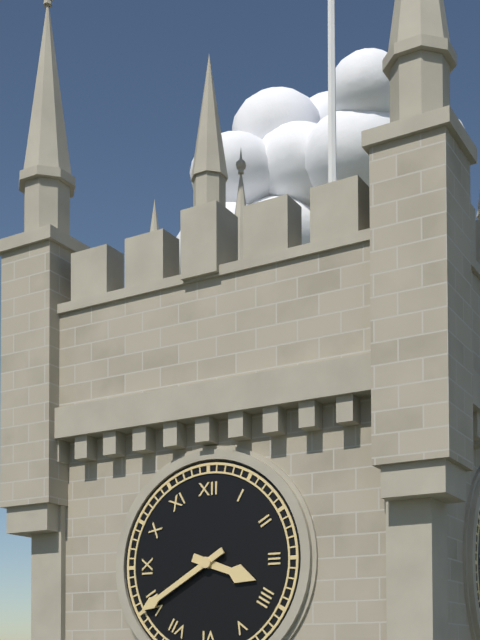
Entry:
3,40
